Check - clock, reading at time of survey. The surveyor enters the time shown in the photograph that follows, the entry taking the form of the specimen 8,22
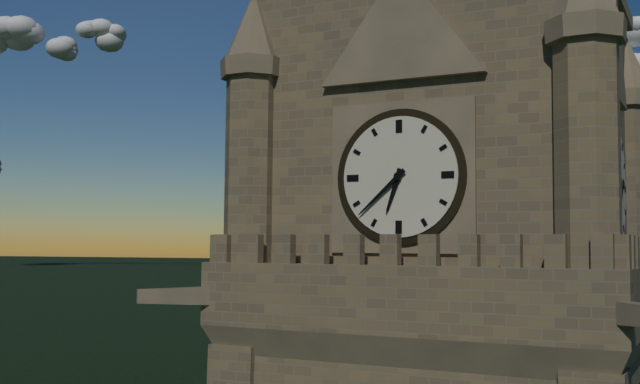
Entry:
6,38
